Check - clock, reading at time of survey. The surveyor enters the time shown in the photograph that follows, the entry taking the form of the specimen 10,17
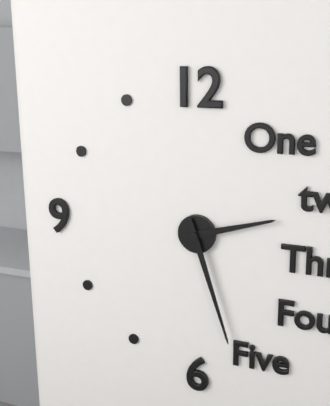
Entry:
2,27
